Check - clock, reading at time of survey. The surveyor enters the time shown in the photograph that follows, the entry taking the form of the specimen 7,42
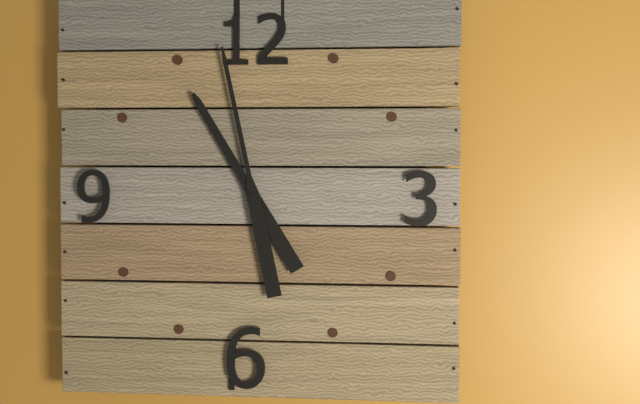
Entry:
10,58
